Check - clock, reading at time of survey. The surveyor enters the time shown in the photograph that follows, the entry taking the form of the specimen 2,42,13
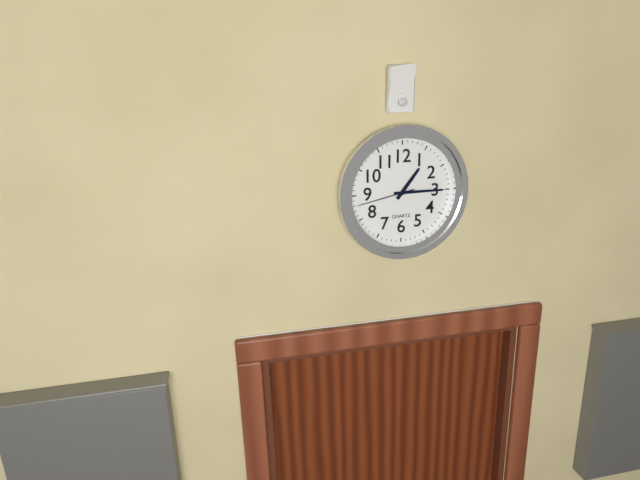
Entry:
1,15,43
